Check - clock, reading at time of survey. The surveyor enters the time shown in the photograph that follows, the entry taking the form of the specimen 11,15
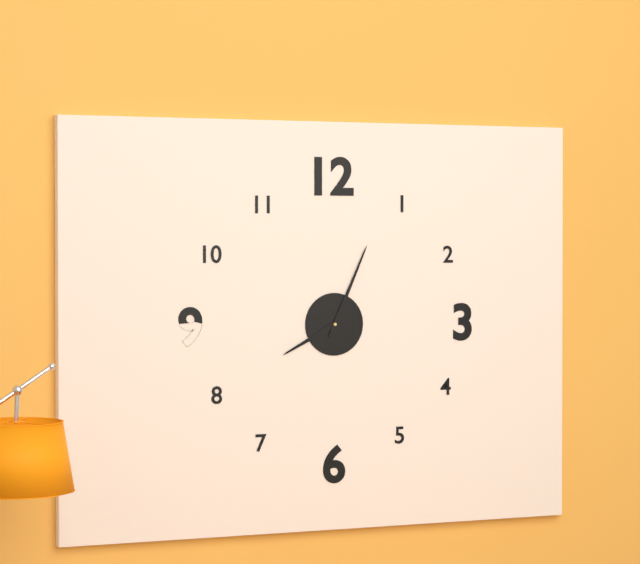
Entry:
8,04
